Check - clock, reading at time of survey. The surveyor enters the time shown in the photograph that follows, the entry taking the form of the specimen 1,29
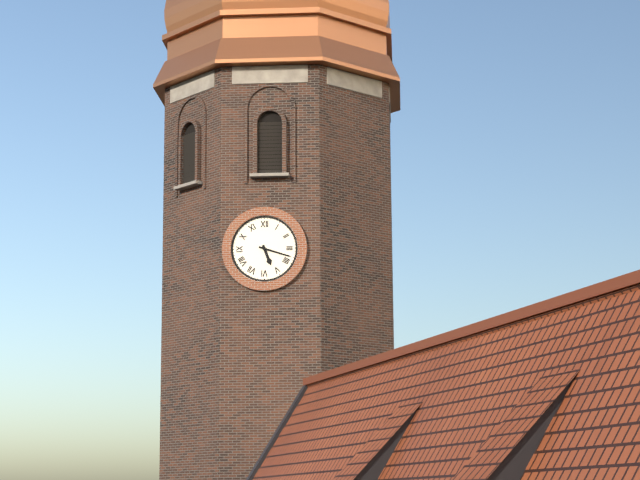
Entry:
5,18
